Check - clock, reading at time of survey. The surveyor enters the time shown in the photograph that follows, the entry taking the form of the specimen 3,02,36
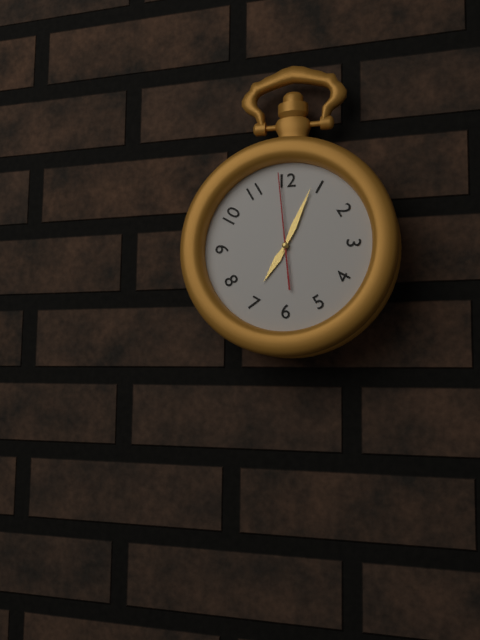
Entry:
7,04,59
